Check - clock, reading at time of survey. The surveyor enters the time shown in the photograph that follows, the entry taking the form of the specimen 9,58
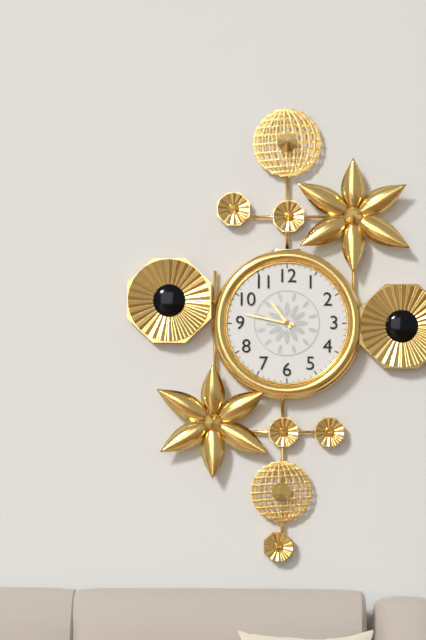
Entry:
10,47
